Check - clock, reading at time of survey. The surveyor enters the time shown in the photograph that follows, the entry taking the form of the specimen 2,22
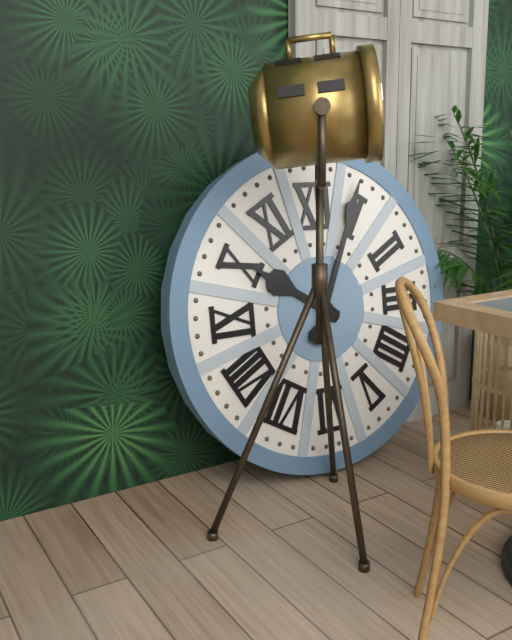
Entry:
10,04
